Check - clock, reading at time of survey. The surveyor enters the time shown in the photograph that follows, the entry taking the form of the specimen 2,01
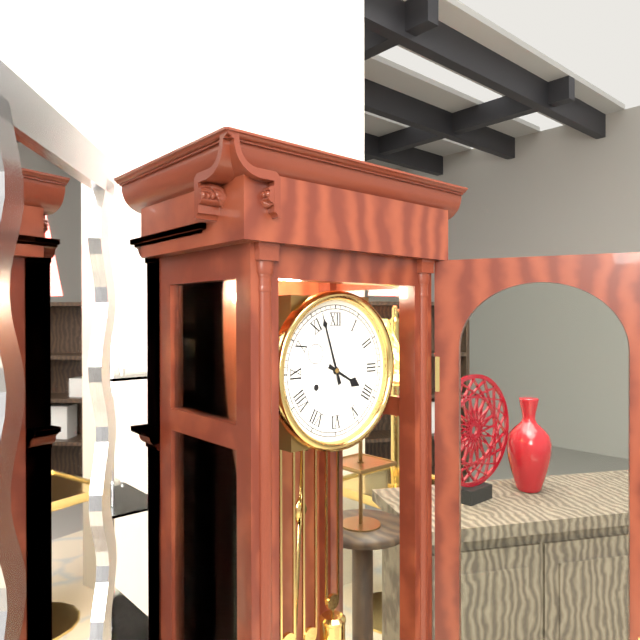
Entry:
3,57
